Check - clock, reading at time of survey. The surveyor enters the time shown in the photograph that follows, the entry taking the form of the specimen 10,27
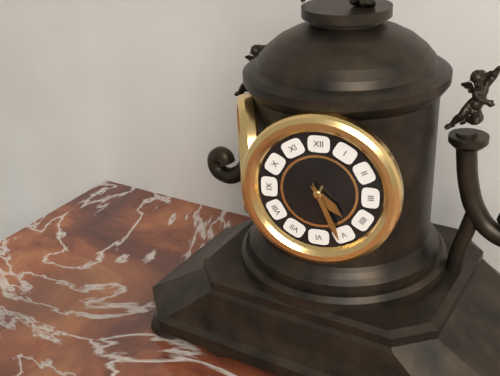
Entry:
4,26
